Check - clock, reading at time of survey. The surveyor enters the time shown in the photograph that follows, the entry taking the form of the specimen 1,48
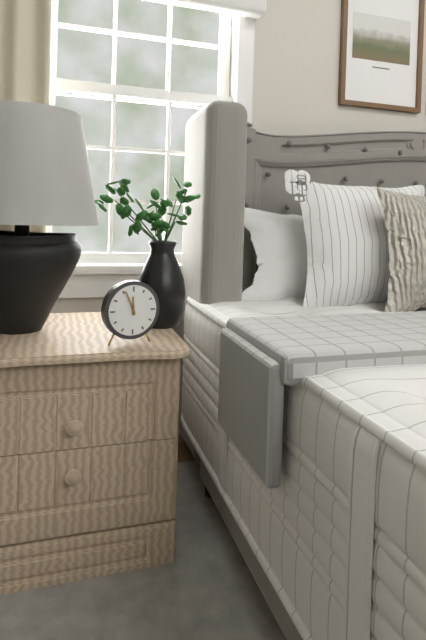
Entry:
11,56
